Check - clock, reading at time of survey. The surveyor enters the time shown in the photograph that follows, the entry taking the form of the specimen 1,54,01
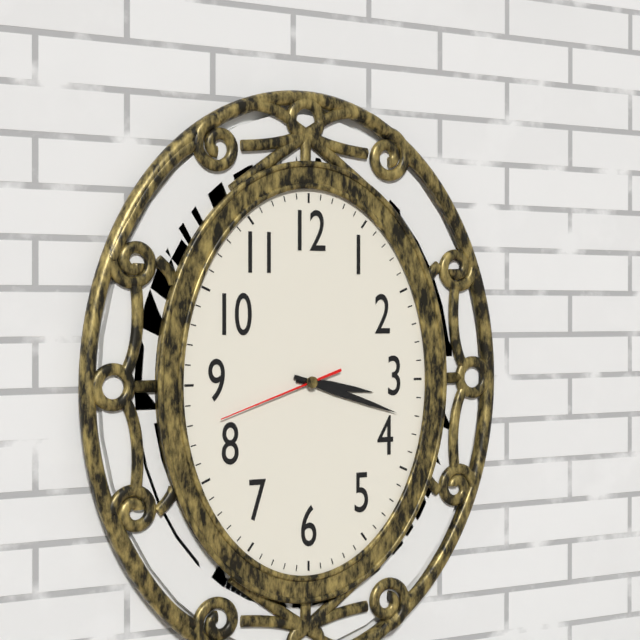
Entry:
3,18,42
